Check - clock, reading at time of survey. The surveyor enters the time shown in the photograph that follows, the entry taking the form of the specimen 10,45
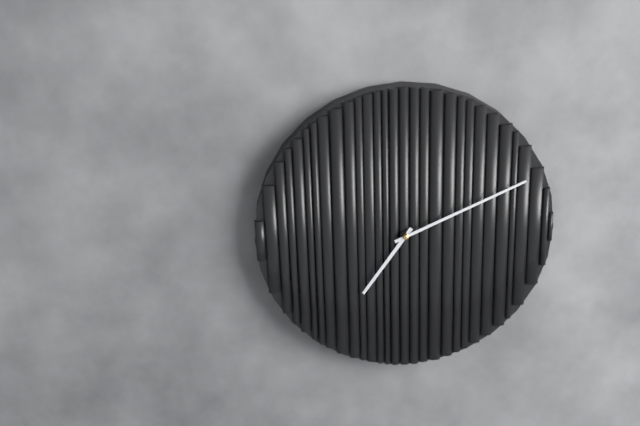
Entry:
7,11
